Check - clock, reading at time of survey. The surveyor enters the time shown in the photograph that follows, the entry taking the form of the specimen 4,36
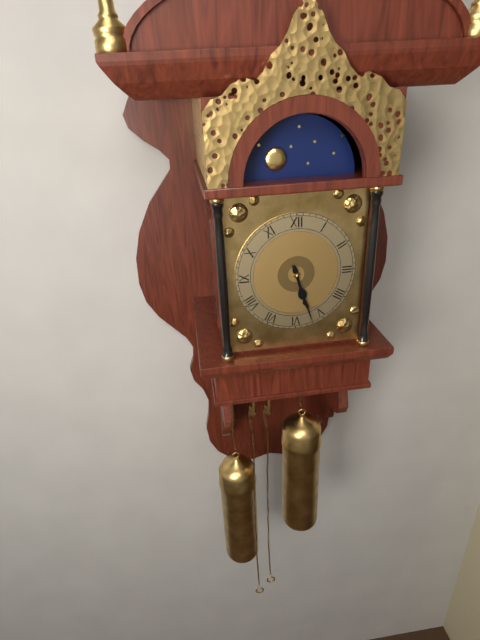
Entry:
5,27
